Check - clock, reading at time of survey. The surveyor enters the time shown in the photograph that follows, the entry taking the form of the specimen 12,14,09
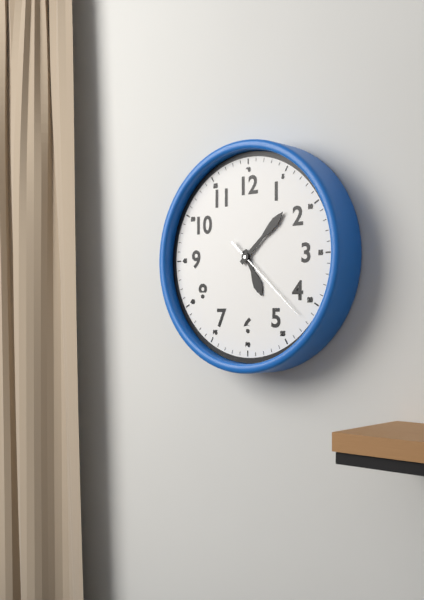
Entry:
5,08,22
